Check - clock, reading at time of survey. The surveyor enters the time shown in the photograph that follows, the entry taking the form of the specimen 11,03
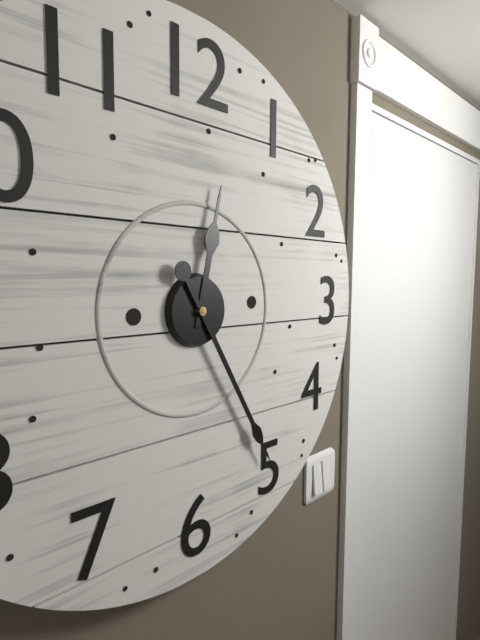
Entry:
12,25
